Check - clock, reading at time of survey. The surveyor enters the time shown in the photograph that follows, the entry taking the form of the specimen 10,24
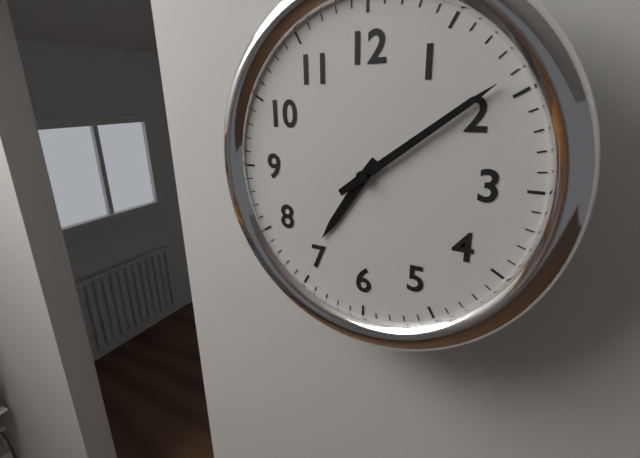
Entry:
7,09
